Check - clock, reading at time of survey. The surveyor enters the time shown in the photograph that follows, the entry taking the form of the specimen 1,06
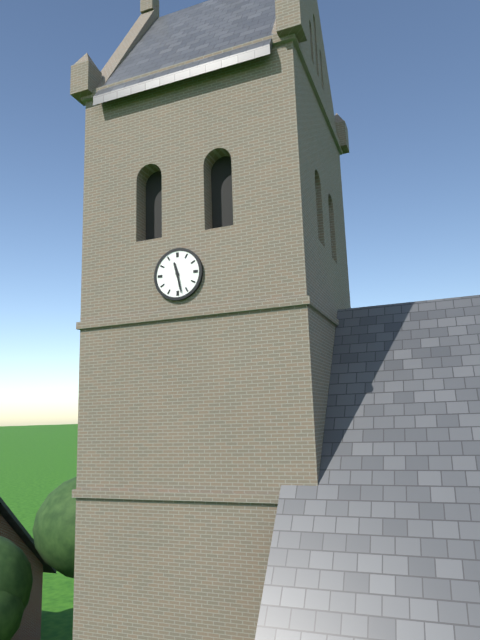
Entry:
11,28
